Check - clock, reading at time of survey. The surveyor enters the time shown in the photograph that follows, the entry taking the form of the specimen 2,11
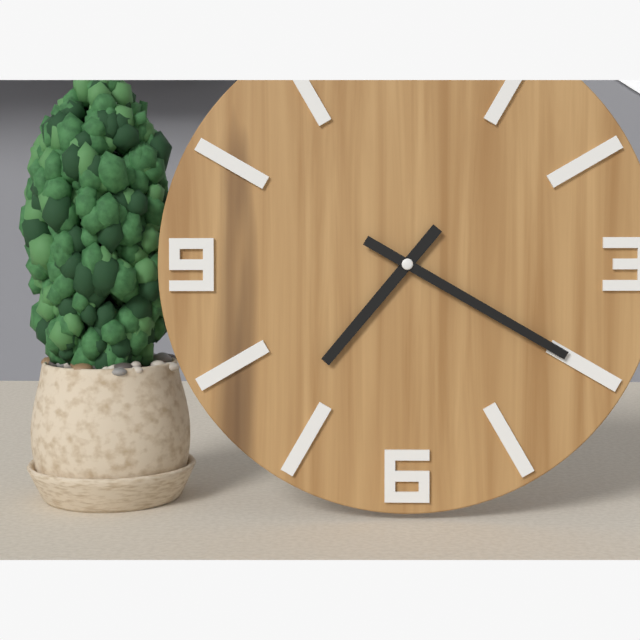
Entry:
7,20
